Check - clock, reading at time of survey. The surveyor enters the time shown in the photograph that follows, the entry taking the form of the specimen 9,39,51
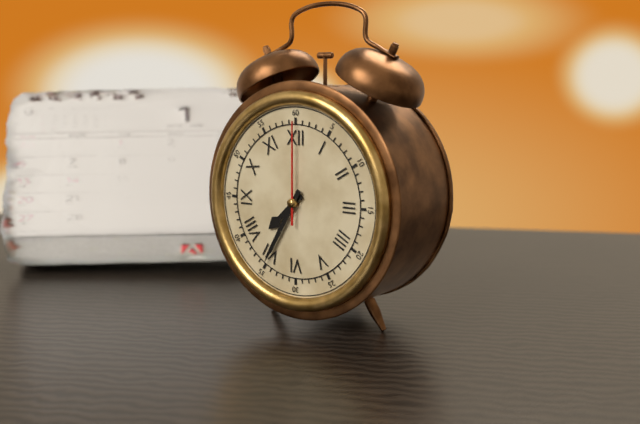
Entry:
7,35,00
